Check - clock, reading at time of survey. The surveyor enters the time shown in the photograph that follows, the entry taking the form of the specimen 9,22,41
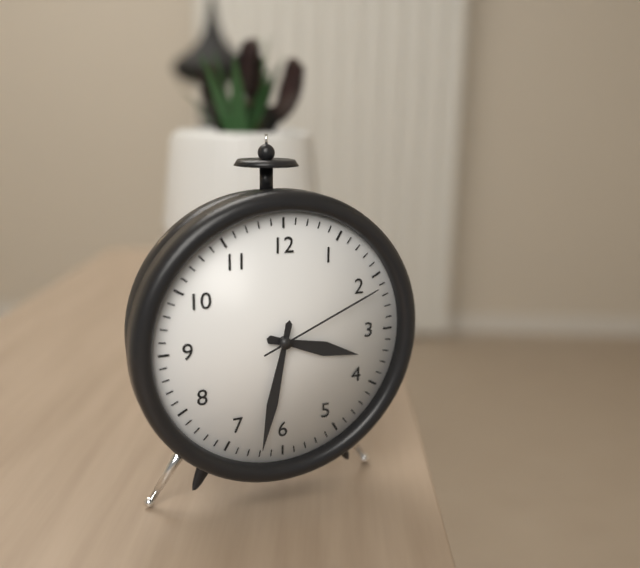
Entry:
3,32,11
